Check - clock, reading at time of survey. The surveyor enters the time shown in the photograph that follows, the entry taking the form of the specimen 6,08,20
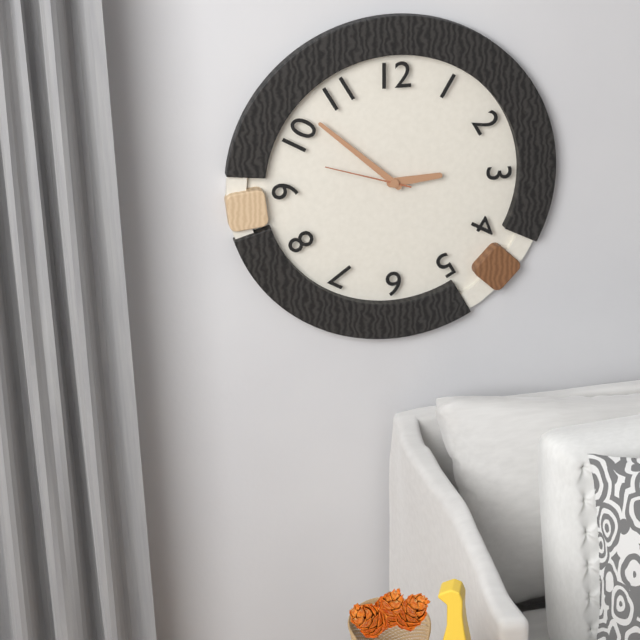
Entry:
2,52,48
